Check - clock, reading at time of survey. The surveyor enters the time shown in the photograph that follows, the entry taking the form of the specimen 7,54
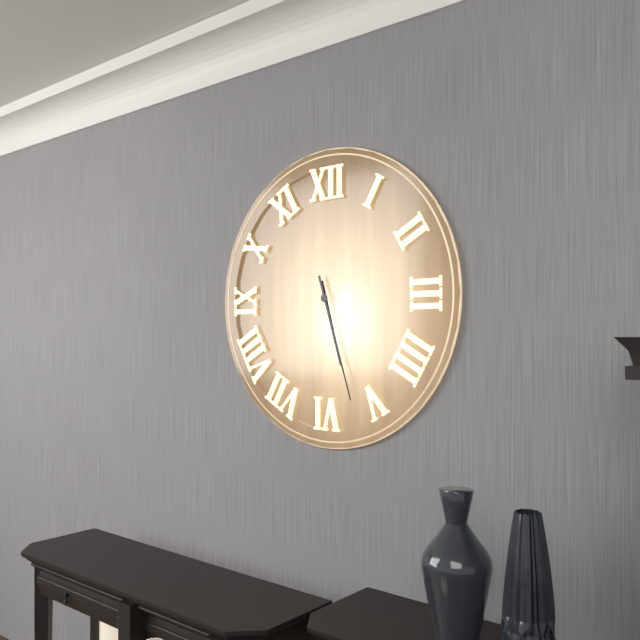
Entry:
5,27
